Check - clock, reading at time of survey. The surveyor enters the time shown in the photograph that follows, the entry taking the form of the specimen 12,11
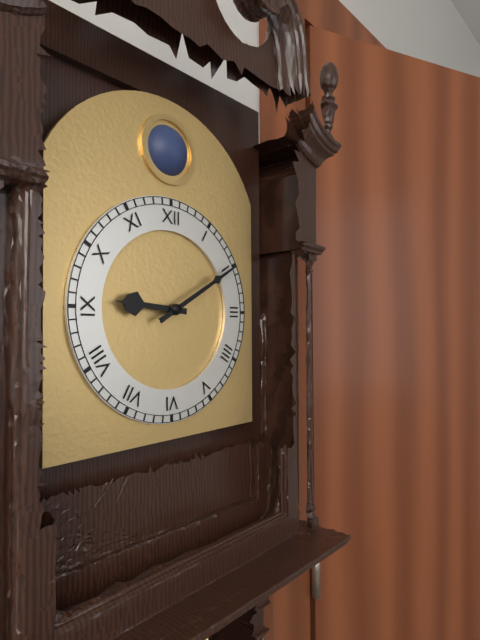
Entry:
9,10
